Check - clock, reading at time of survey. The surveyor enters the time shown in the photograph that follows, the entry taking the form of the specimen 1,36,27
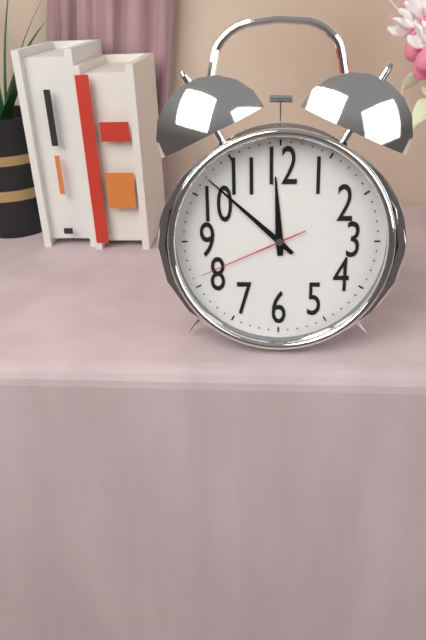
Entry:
11,52,41
